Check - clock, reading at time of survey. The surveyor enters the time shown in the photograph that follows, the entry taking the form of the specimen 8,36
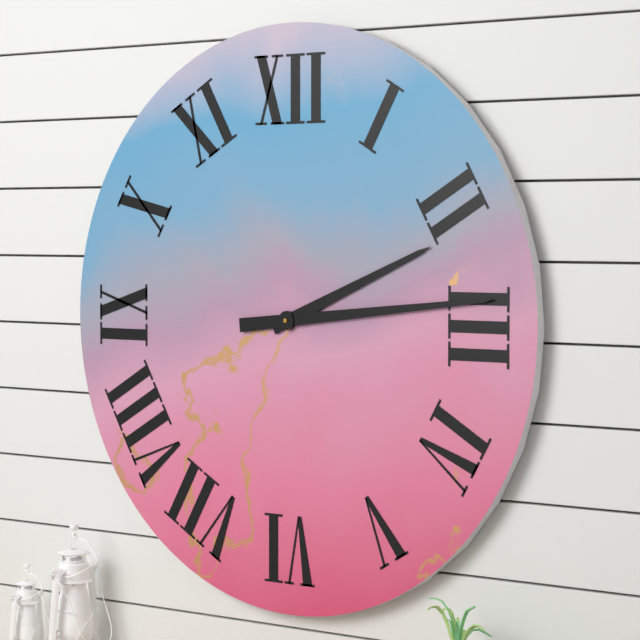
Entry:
2,14
